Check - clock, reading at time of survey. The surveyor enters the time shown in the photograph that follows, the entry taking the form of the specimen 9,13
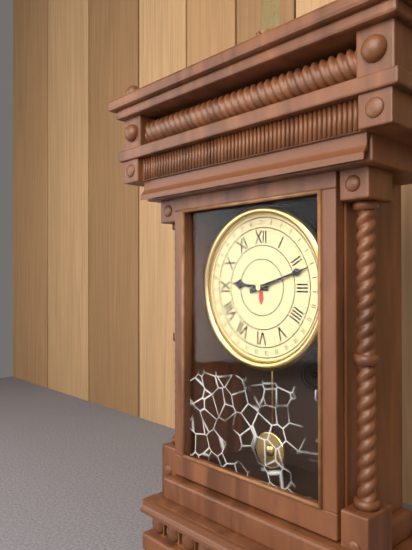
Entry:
9,12
